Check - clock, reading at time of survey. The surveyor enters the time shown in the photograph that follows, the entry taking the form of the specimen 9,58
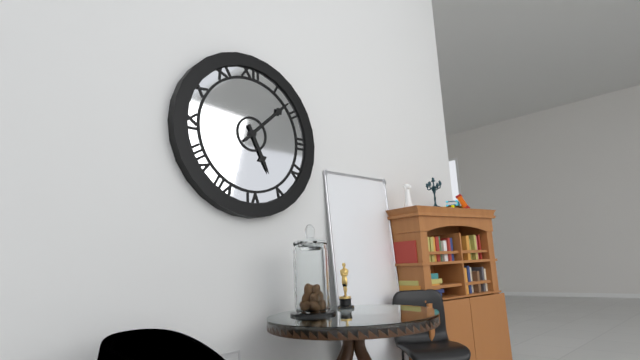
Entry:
5,08
